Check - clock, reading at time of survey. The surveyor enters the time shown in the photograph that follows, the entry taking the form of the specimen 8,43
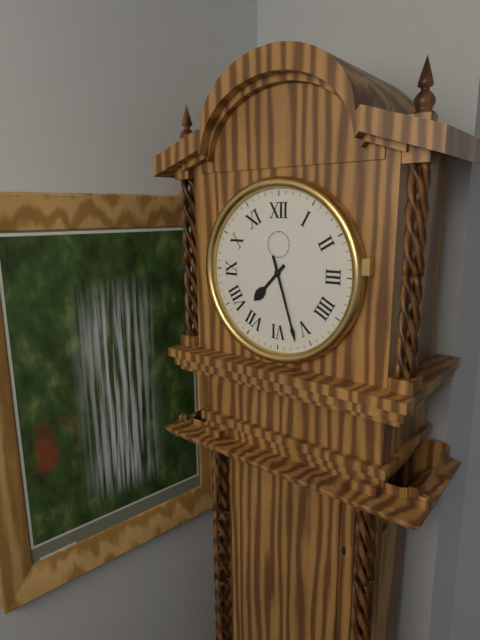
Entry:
7,27
